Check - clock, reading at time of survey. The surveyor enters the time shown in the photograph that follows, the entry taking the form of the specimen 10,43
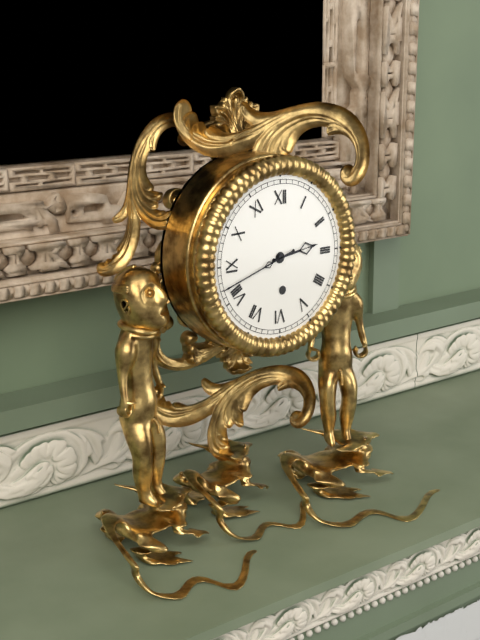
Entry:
2,42
